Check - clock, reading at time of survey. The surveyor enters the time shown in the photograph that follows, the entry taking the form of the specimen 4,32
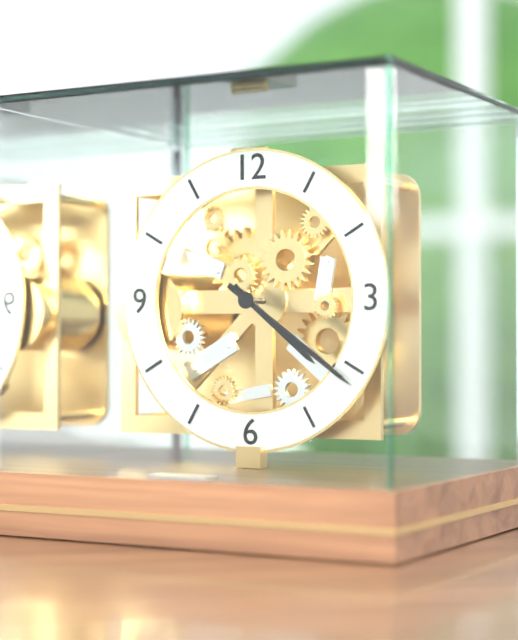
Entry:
4,21
